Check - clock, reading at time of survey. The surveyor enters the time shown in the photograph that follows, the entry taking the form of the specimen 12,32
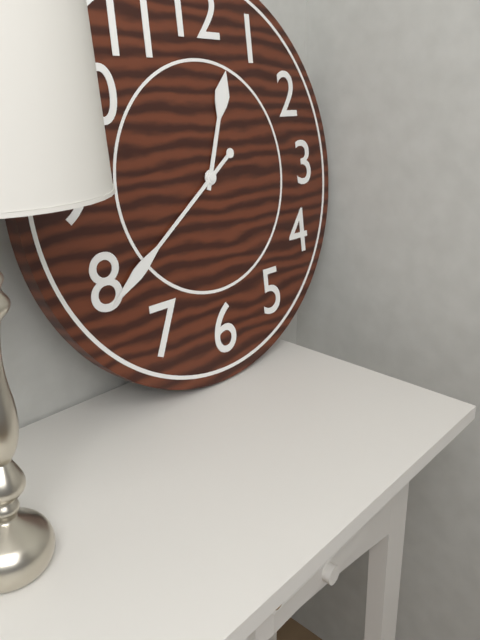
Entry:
12,39
